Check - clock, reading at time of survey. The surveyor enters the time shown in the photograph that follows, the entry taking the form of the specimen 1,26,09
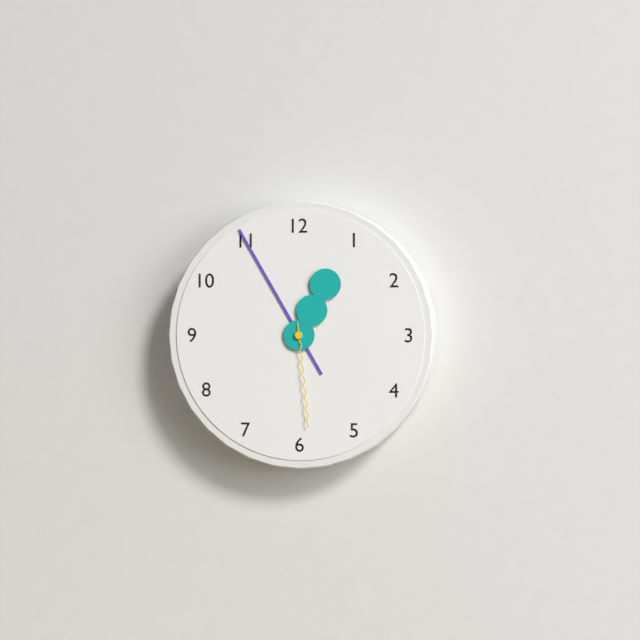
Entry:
12,55,29
